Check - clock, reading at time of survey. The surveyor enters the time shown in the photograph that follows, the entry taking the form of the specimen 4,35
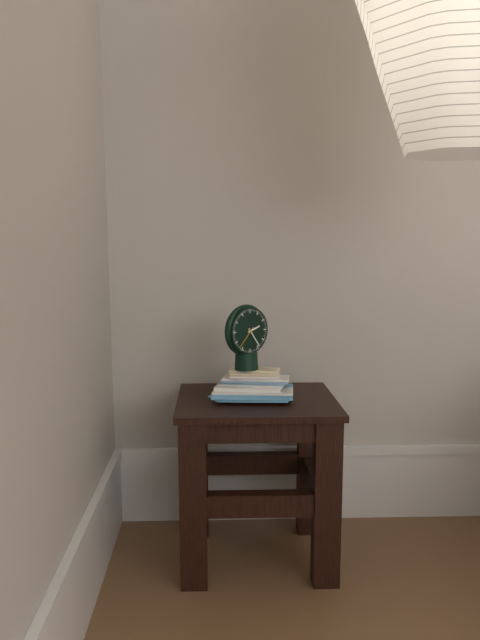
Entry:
2,24
